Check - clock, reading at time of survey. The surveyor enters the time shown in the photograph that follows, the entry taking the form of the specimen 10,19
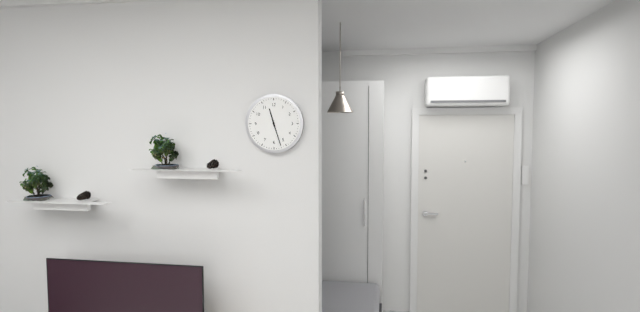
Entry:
11,27
